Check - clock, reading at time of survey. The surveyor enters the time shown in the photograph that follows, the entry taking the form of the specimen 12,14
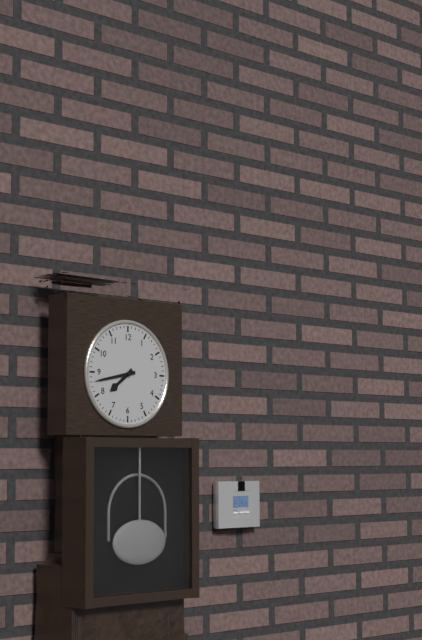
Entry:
7,43
